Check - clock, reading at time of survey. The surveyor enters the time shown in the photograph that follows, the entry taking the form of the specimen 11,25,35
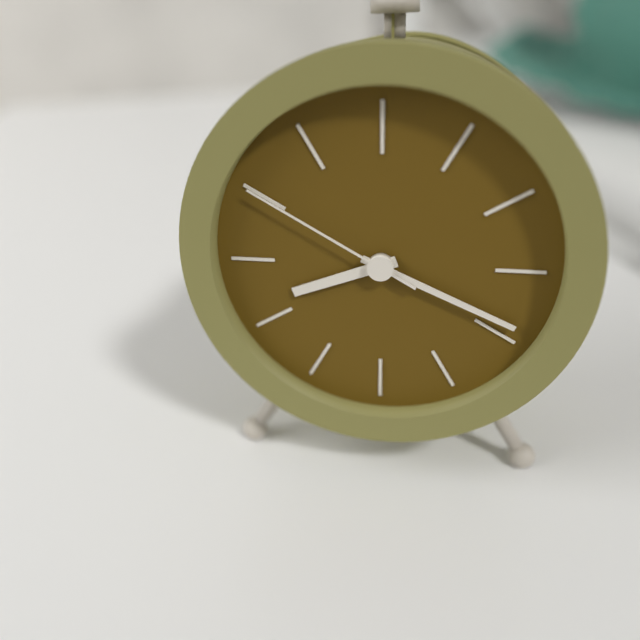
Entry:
8,19,50
